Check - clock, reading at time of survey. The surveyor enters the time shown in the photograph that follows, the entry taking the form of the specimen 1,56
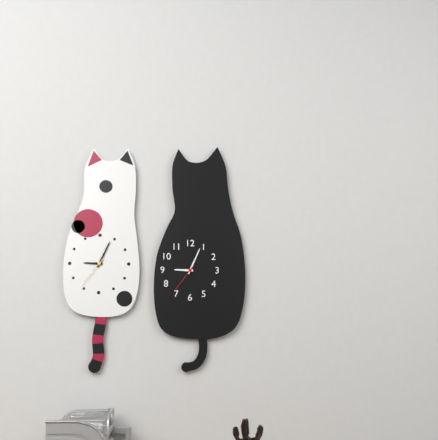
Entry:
9,04
